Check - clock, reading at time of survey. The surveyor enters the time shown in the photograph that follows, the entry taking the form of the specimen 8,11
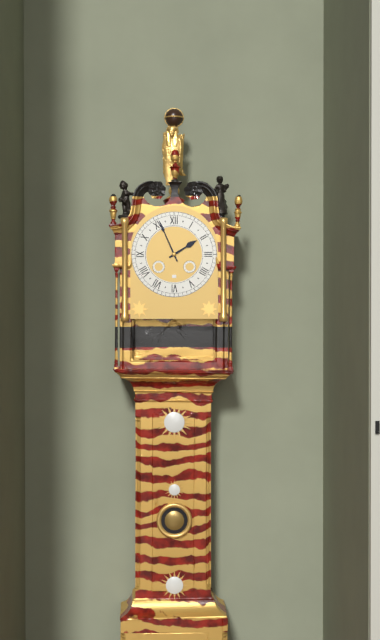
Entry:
1,56
